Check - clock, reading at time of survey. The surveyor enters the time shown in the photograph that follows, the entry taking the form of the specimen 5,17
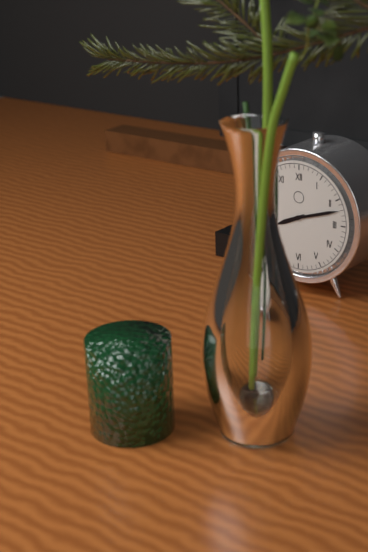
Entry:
8,12
